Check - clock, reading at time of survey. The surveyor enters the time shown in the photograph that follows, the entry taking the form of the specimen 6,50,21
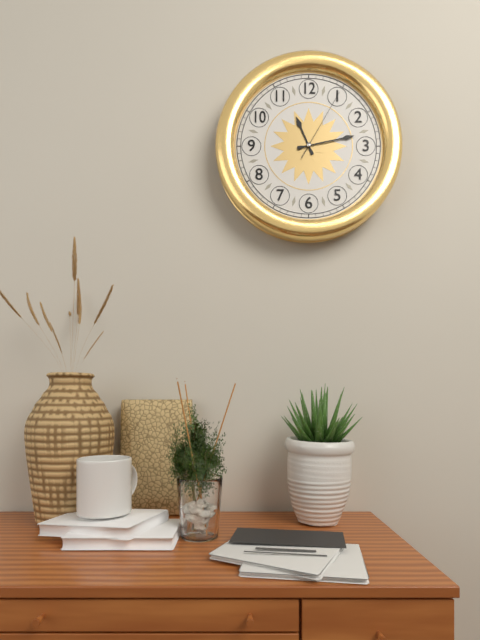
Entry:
11,13,05
